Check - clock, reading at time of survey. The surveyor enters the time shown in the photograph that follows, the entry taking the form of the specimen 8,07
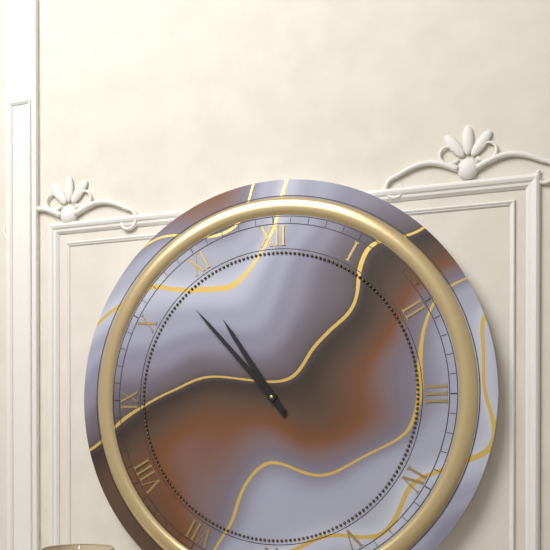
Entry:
10,53
